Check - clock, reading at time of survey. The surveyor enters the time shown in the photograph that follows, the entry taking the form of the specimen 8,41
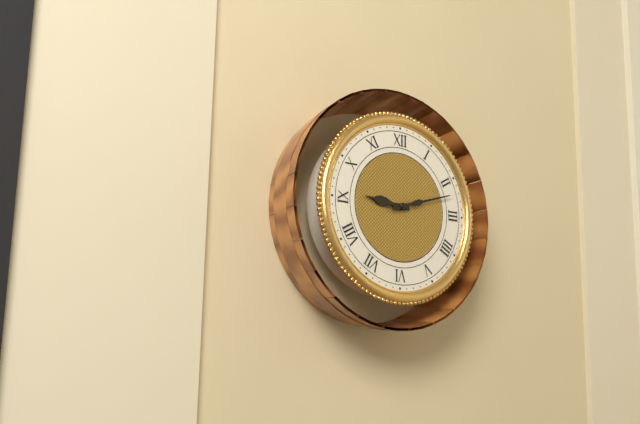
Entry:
9,12
